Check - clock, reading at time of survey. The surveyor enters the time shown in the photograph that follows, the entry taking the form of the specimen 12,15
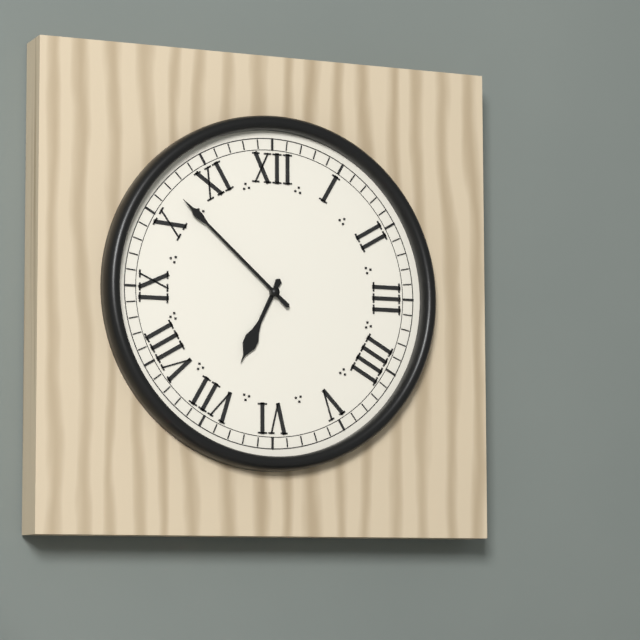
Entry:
6,52
